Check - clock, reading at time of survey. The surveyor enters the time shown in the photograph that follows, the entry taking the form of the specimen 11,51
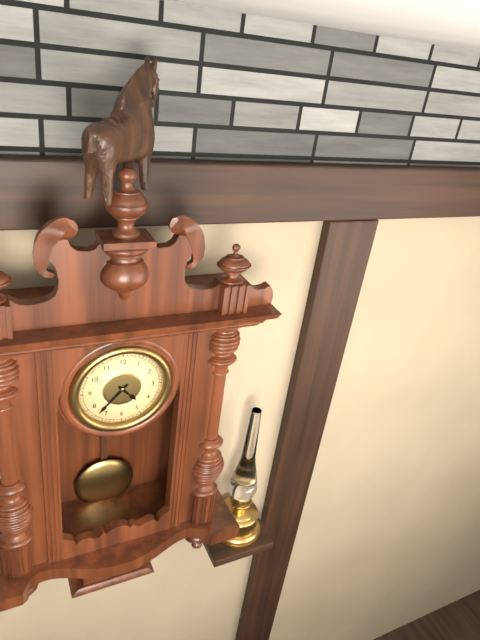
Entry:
4,37
